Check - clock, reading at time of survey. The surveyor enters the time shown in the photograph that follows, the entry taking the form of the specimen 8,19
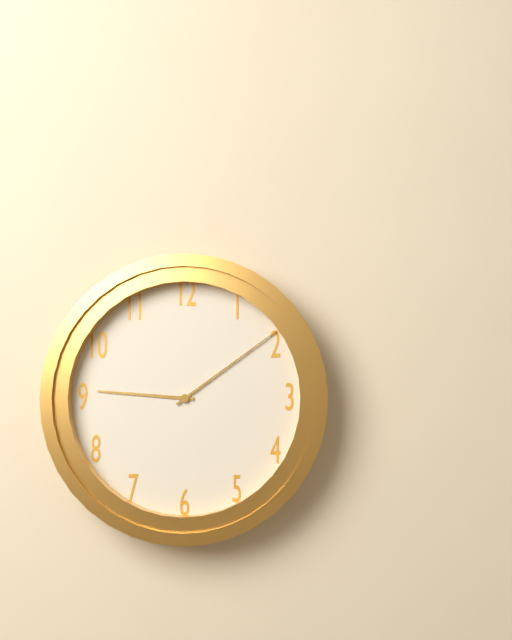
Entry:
9,09
